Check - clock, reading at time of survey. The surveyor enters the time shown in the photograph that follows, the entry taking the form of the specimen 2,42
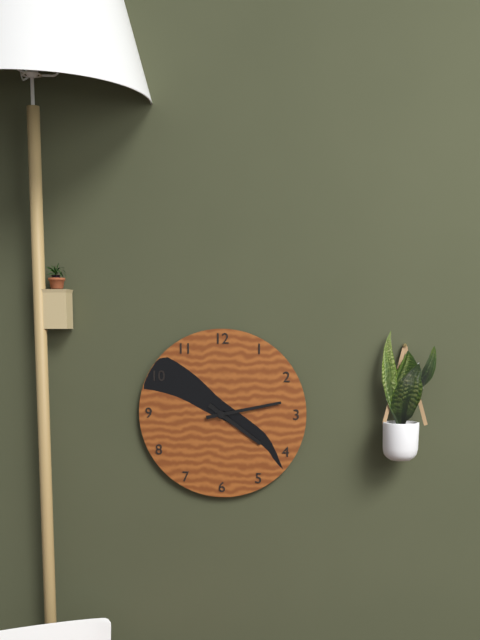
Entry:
4,13
